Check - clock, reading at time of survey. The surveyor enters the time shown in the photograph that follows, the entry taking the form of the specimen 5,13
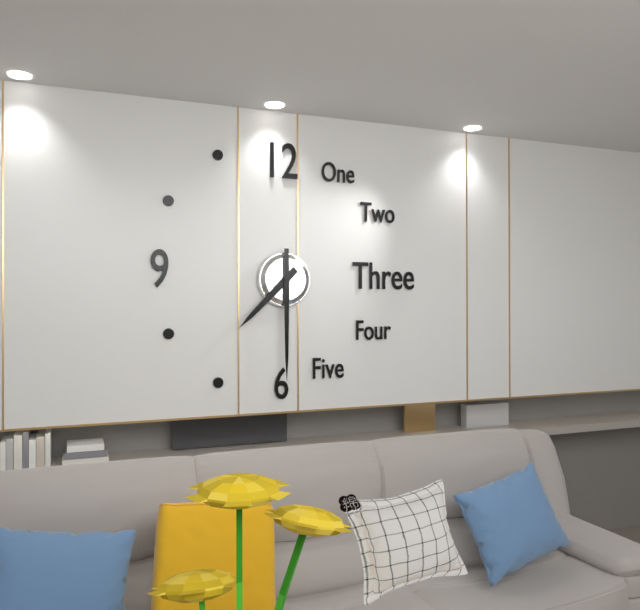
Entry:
7,30
